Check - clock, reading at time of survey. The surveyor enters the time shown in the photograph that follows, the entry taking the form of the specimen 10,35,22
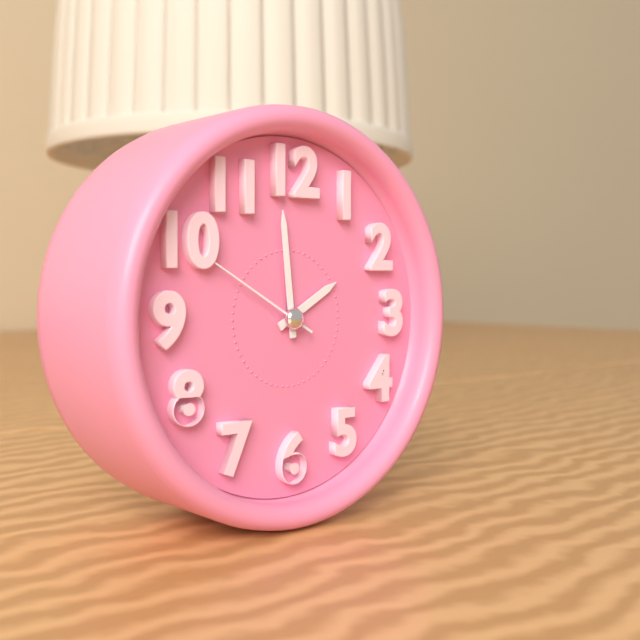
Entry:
1,59,50
